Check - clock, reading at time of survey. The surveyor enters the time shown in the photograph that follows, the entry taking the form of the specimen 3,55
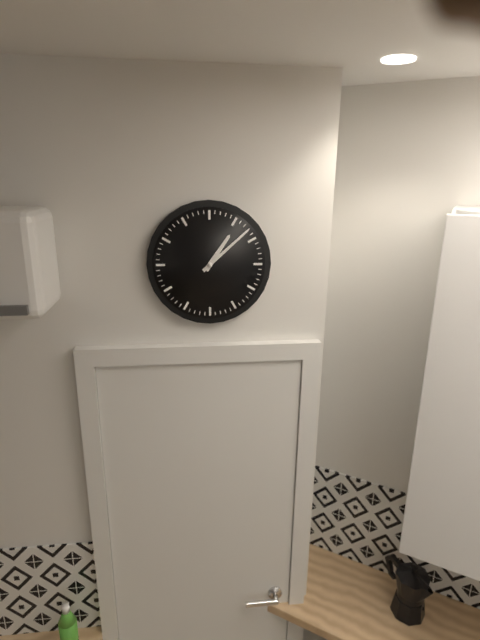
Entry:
1,08
